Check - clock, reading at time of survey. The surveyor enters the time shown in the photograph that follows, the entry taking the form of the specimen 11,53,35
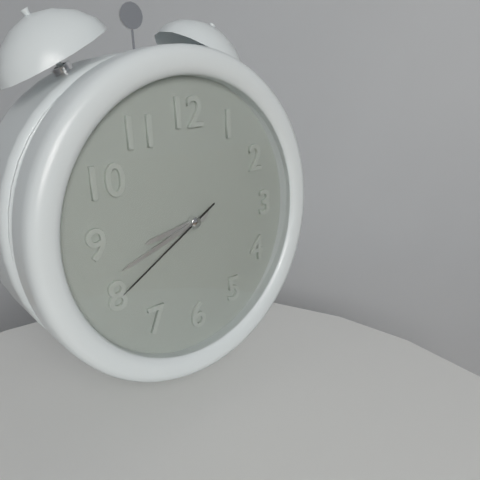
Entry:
8,42,40
